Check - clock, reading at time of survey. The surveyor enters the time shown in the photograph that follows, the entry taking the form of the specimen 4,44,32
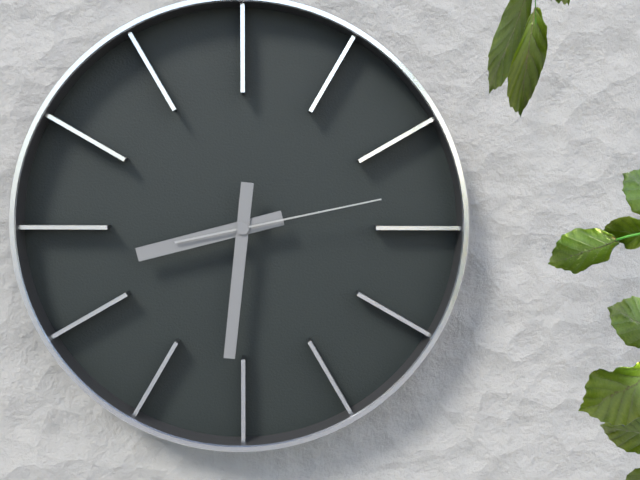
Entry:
8,31,13
